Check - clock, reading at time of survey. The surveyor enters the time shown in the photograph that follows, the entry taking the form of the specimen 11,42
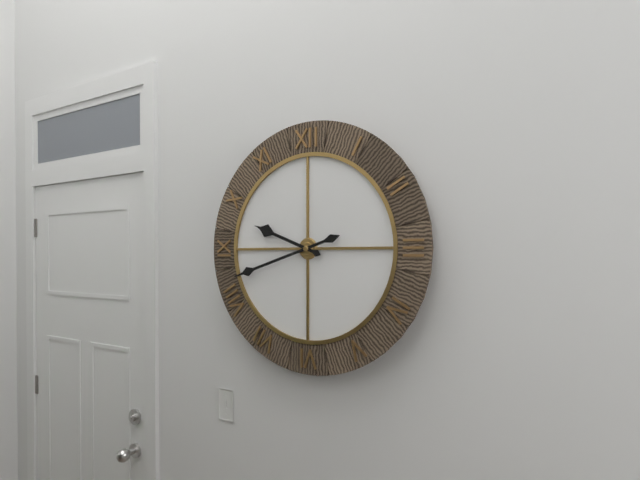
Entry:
9,42
